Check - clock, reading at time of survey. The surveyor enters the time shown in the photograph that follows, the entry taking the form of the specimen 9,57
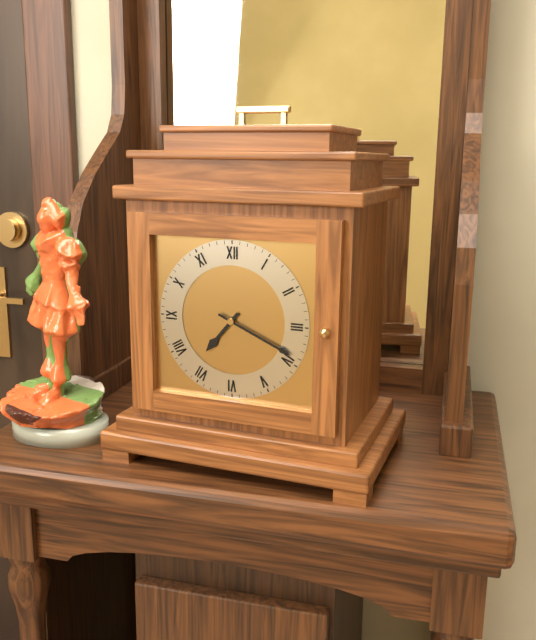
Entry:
7,19
